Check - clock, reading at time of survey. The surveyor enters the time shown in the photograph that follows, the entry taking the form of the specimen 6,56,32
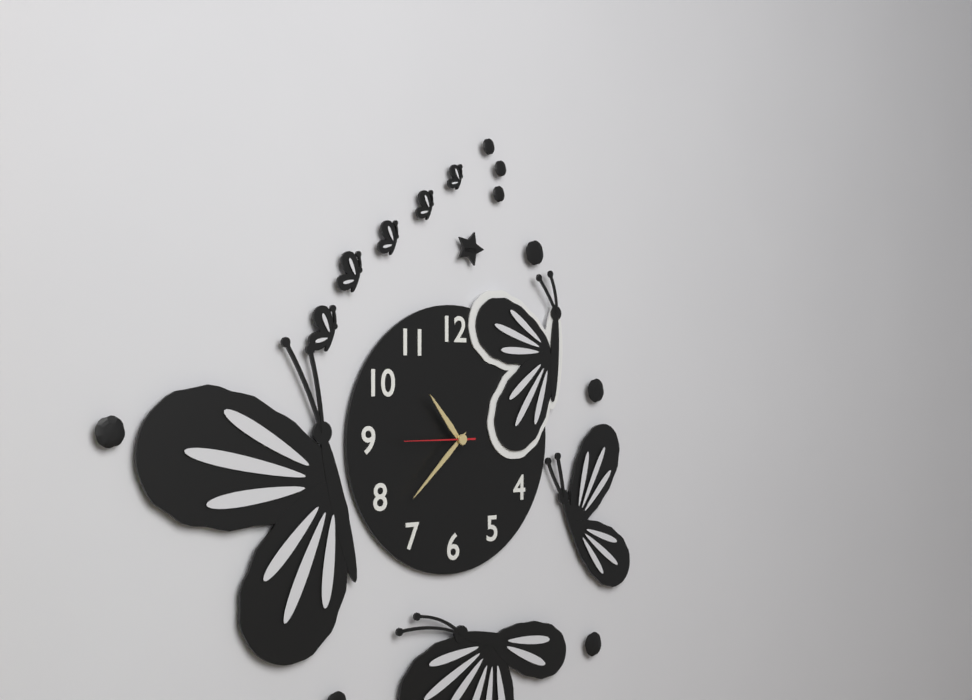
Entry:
10,38,45
